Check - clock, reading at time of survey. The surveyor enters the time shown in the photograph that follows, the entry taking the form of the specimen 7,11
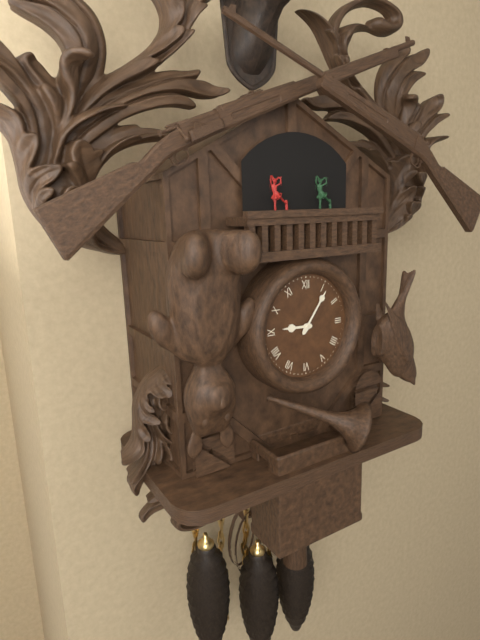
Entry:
9,06
